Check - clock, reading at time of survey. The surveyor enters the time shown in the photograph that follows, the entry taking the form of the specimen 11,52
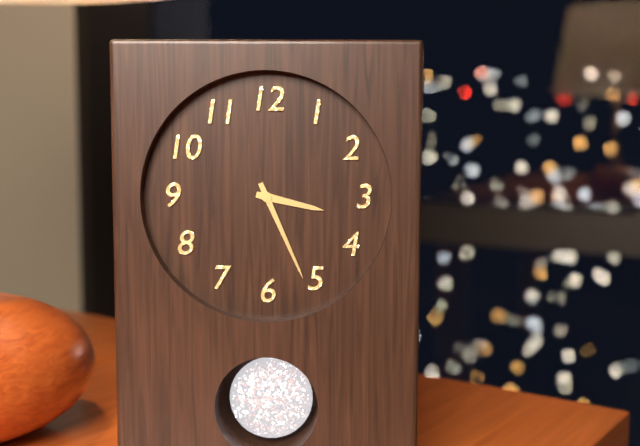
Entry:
3,26
